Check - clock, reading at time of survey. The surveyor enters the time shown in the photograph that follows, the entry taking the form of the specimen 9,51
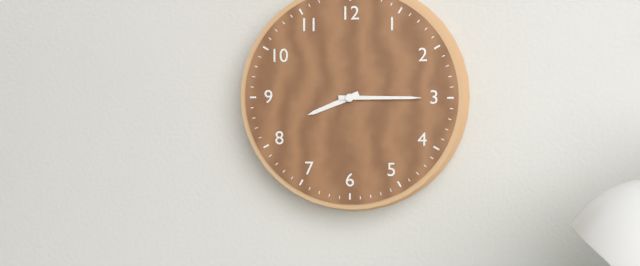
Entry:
8,15
